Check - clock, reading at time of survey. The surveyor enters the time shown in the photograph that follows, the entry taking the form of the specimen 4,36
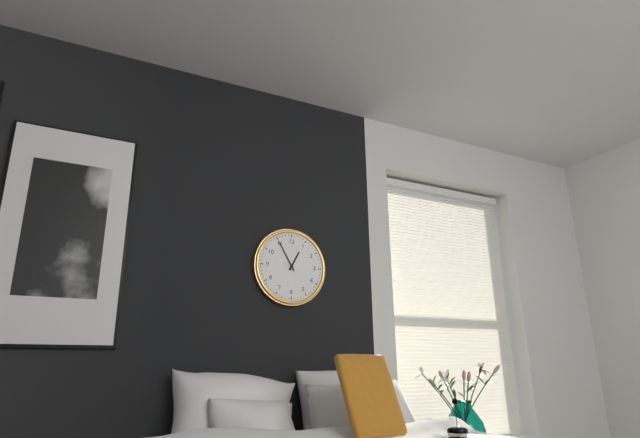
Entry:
12,55
